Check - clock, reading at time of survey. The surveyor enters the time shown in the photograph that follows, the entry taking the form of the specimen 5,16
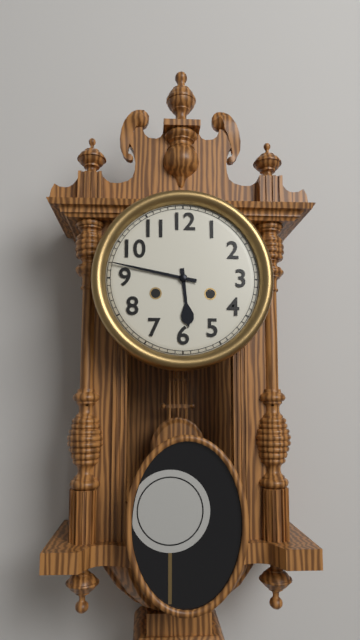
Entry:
5,47
